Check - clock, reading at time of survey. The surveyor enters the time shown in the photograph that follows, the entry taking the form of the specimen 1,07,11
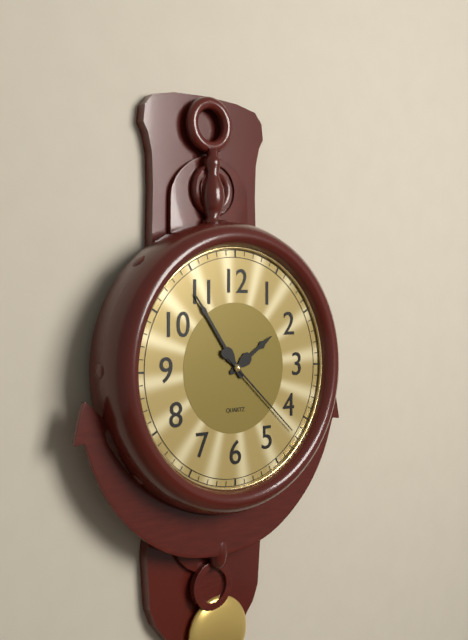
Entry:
1,54,22
